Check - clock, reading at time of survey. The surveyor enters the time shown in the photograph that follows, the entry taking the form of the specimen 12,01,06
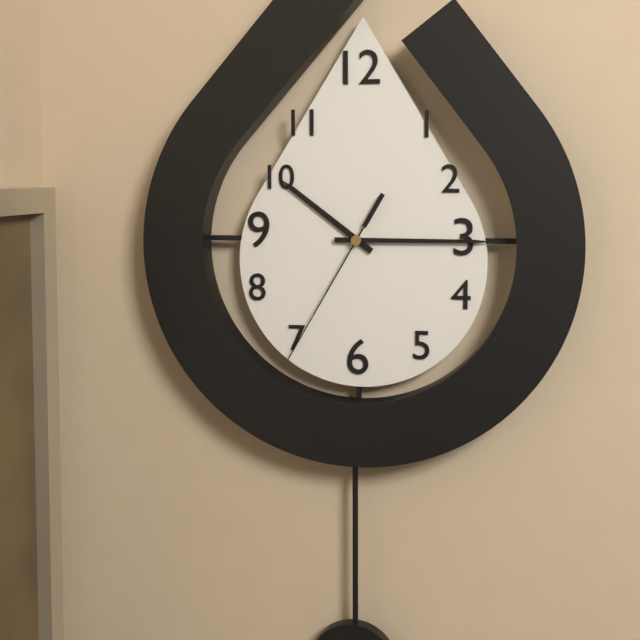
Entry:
10,15,35
